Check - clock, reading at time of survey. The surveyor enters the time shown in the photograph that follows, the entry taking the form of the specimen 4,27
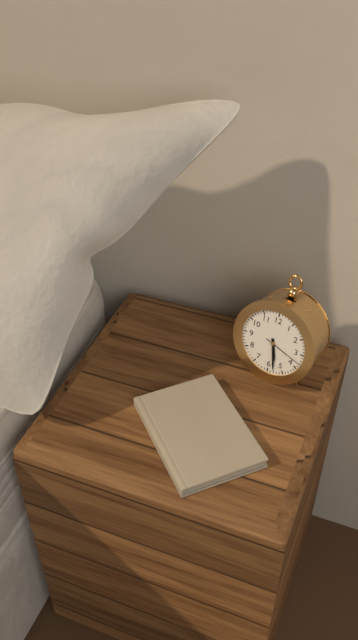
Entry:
5,28
